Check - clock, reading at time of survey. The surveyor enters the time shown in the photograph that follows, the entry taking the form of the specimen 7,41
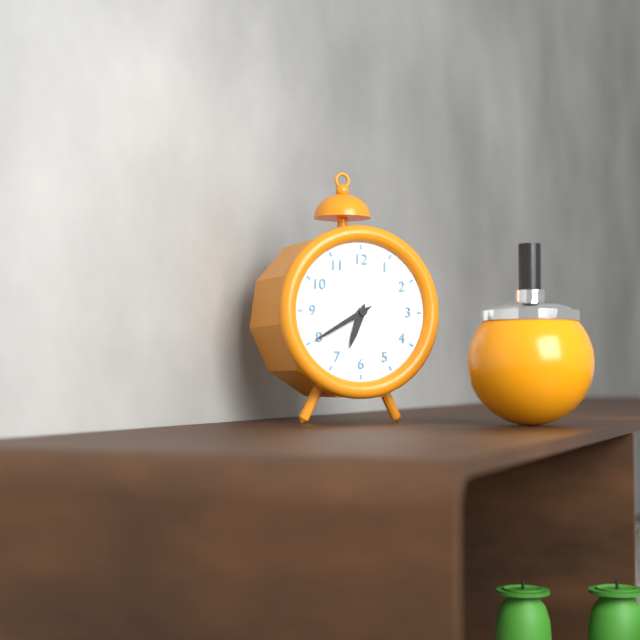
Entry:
6,40
